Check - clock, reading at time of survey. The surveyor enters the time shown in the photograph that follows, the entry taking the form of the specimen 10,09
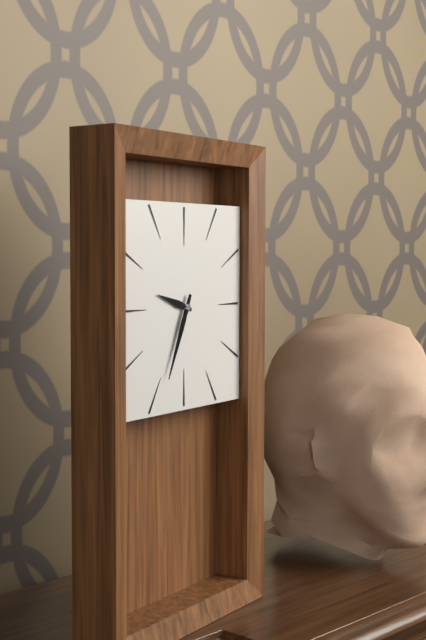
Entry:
9,34
